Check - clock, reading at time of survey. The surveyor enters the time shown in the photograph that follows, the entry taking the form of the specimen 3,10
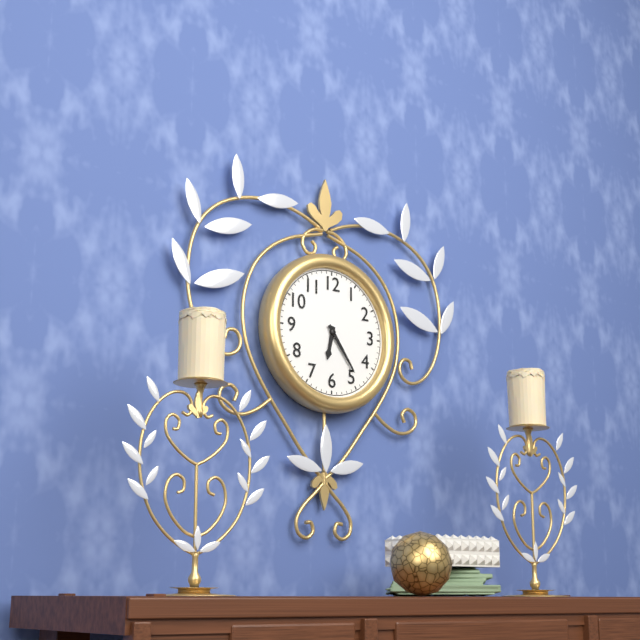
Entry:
6,24
